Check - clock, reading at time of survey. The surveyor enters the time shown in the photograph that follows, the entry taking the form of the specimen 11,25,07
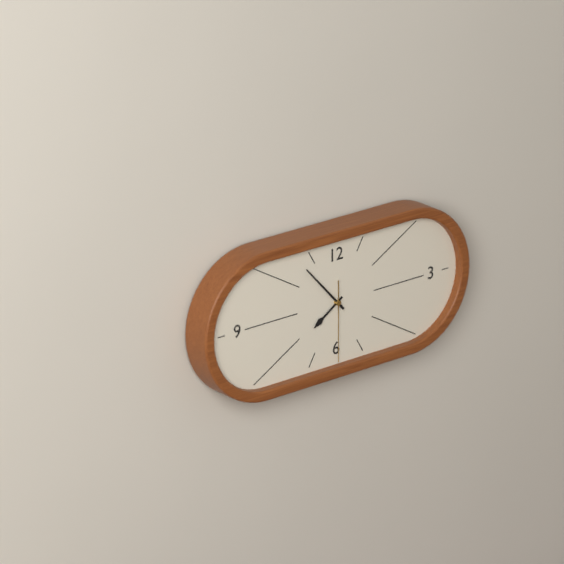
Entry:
7,53,30
